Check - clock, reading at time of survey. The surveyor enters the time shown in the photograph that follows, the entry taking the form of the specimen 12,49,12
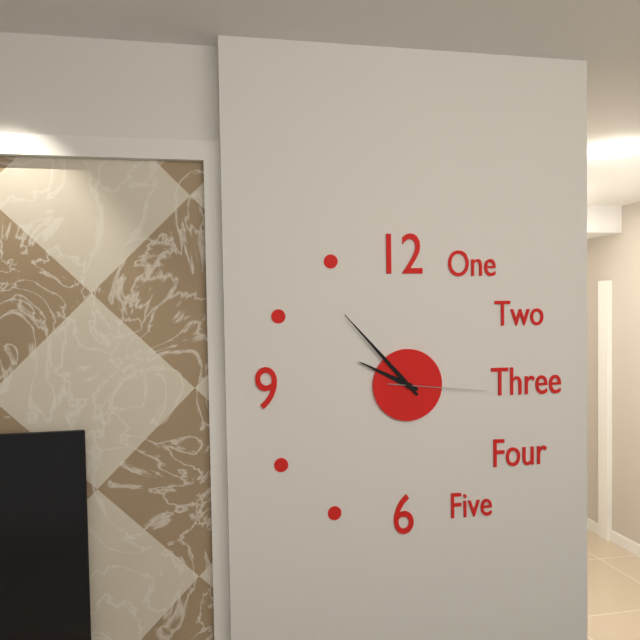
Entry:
9,53,16
